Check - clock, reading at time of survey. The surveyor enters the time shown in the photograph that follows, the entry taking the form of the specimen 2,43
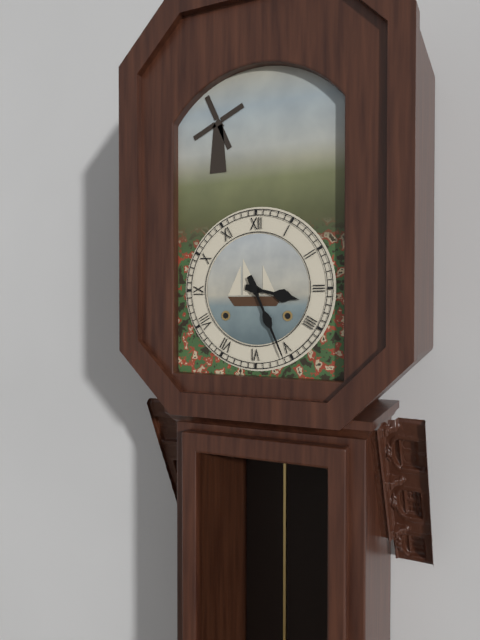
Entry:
3,26
